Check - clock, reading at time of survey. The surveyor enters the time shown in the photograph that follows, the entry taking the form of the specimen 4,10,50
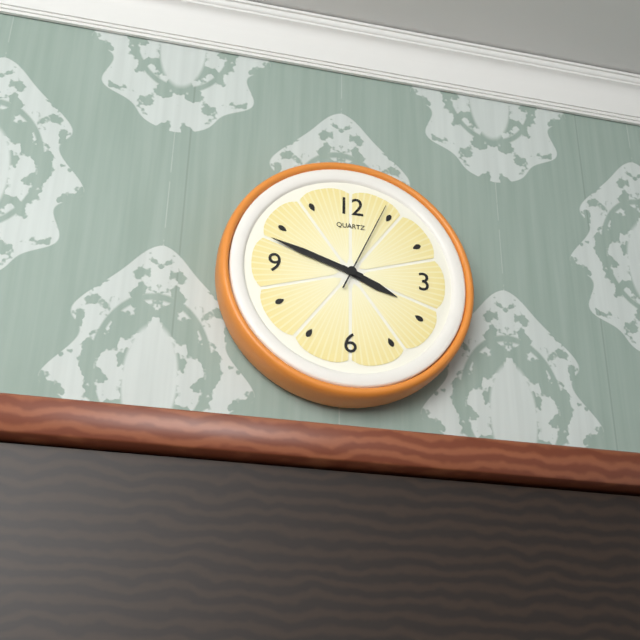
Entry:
3,48,04
